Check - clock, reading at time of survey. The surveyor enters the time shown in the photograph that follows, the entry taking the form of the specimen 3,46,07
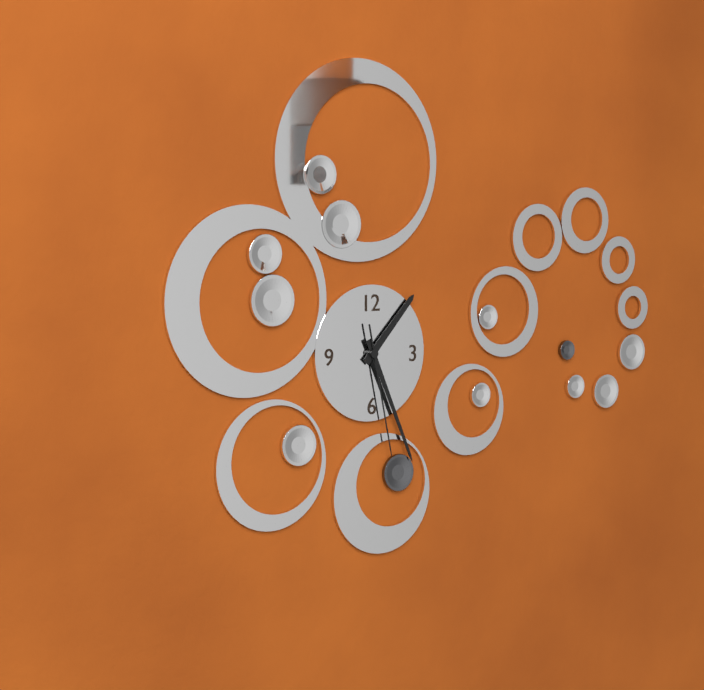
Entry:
1,26,28
